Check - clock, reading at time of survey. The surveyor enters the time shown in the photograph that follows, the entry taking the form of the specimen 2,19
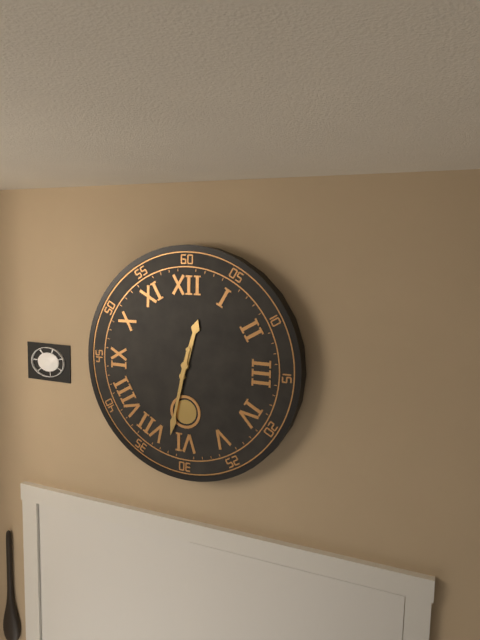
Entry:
12,32
